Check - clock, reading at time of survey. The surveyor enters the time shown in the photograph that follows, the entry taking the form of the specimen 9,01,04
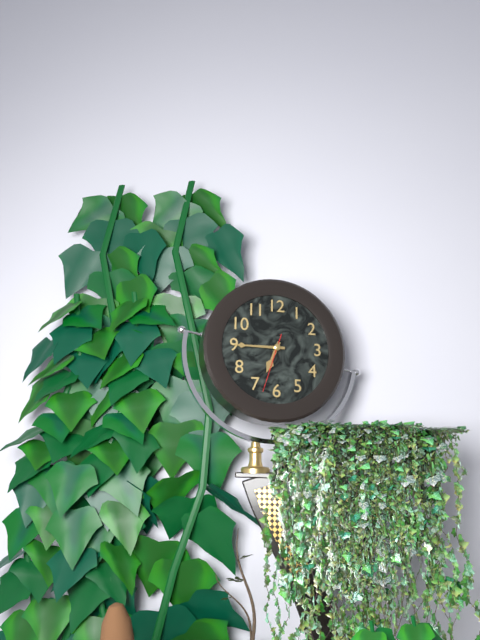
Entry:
6,45,33
